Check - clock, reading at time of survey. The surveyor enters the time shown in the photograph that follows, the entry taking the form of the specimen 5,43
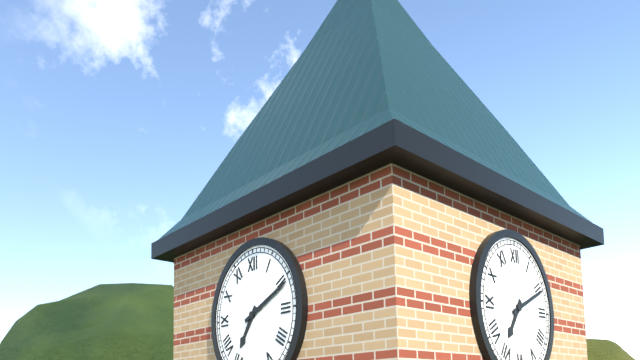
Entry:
7,11
